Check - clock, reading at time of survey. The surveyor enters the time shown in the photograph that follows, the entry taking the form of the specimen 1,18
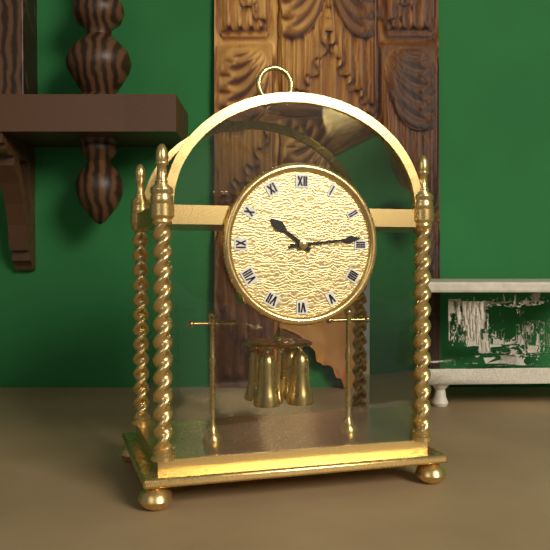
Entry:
10,14
